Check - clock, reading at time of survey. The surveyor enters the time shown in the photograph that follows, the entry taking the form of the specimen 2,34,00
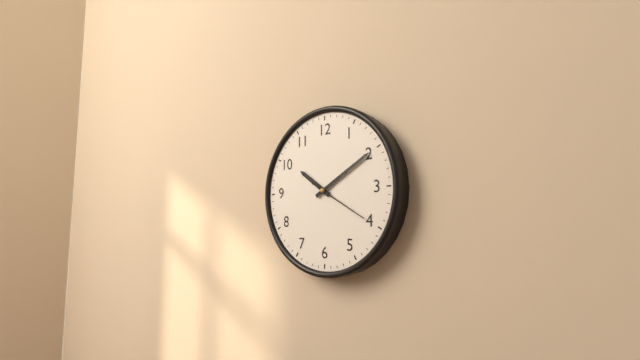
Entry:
10,10,20
